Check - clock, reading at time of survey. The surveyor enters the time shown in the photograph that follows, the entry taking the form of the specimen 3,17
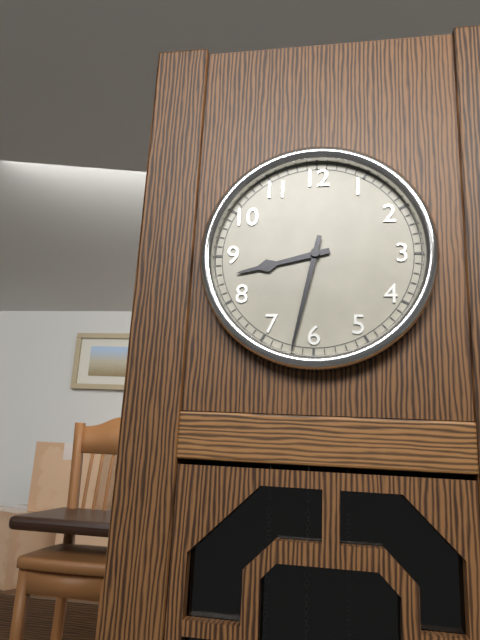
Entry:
8,32
